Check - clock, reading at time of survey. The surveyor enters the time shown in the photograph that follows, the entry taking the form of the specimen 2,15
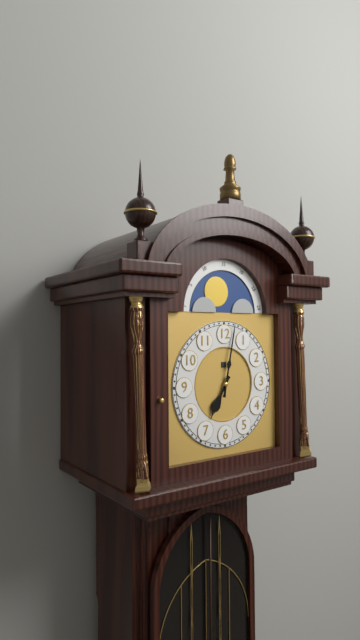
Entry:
7,02
